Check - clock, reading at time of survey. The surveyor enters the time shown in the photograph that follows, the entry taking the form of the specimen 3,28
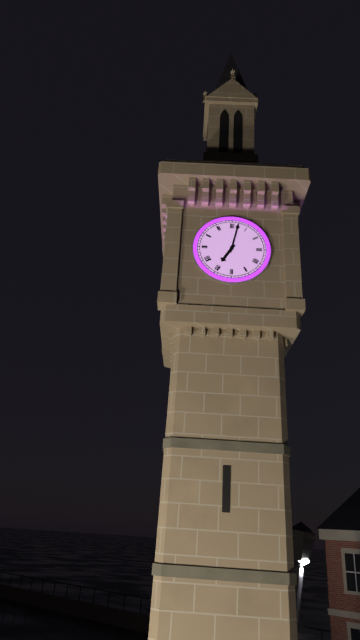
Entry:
7,02
